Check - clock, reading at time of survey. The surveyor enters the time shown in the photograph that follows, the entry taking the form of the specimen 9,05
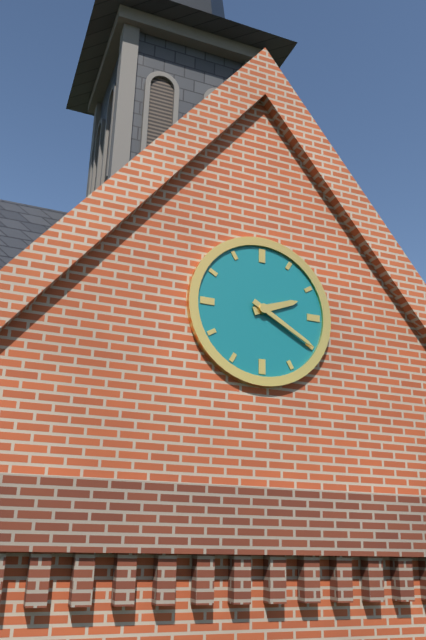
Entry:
2,20
